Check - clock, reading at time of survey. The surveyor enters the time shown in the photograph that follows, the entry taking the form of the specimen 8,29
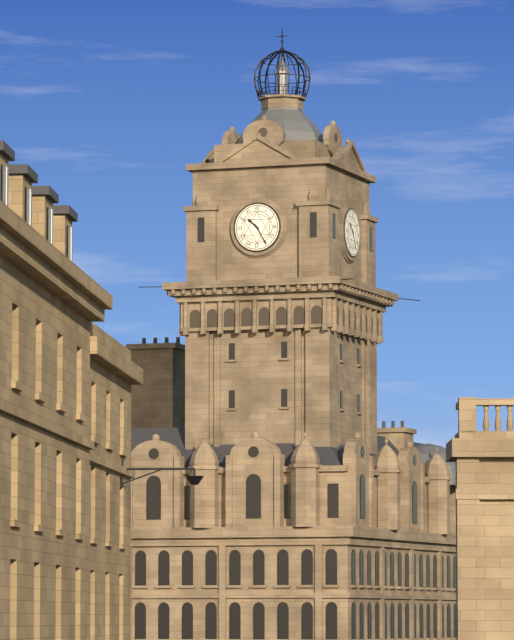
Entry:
10,25
